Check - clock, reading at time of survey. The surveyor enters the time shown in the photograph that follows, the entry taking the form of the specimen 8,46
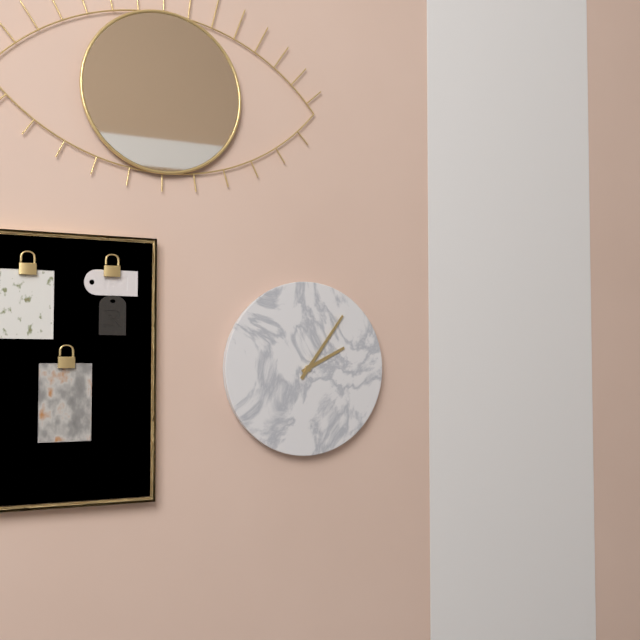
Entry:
2,06
